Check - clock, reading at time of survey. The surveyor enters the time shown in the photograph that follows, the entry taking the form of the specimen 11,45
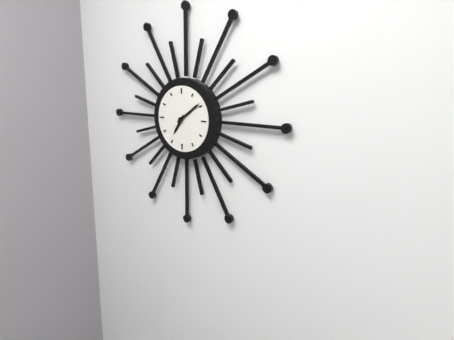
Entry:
7,09
